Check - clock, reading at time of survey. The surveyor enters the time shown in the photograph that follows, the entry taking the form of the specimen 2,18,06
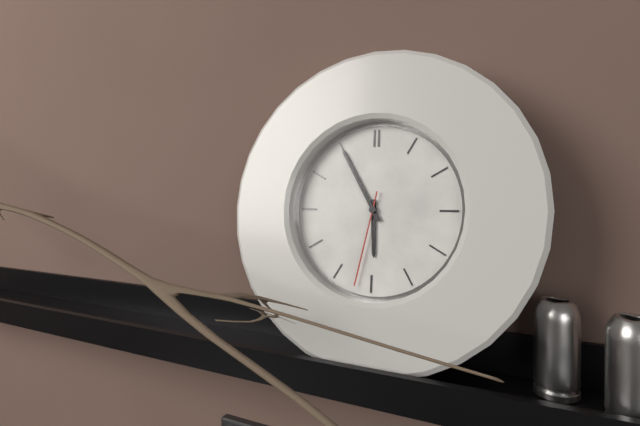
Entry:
5,55,32
